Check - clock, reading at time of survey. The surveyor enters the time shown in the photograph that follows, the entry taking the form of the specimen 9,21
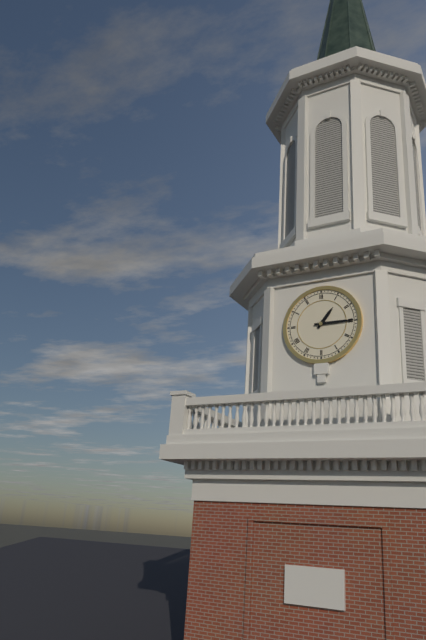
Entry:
1,15
